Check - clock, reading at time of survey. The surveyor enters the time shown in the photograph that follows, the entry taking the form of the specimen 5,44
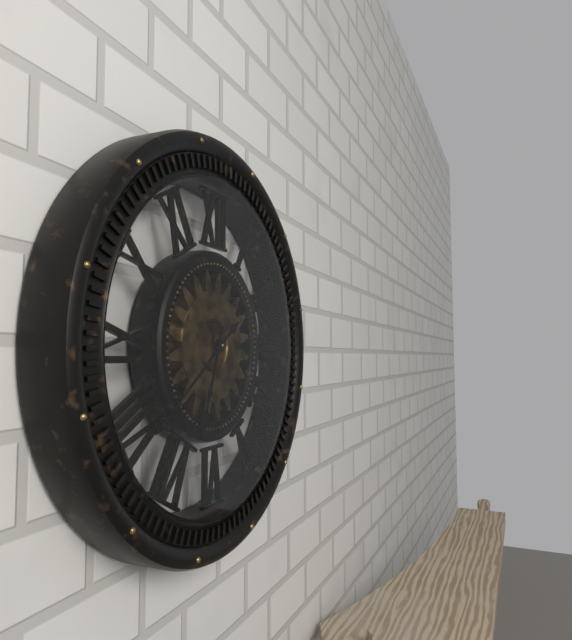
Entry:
6,39
